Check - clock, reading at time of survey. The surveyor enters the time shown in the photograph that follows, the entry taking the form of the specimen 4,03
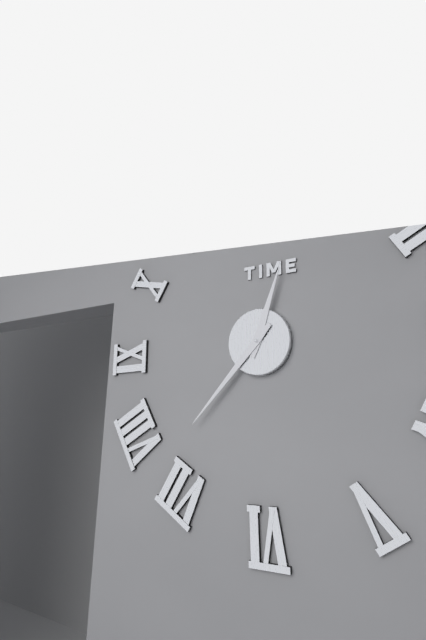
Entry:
12,37
